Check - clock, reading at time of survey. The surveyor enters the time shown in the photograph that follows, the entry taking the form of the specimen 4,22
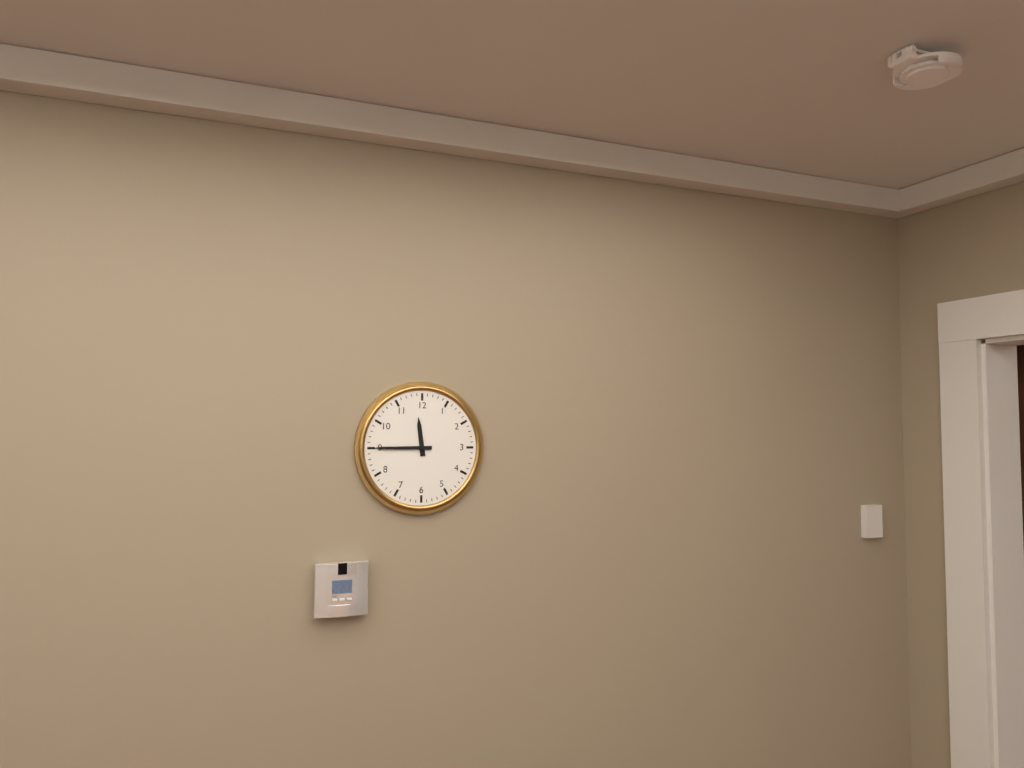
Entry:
11,45
